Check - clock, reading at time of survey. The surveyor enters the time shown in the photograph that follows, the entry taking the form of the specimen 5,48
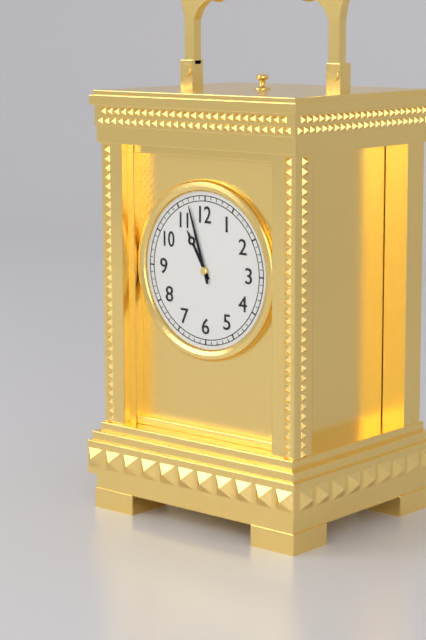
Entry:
10,57
